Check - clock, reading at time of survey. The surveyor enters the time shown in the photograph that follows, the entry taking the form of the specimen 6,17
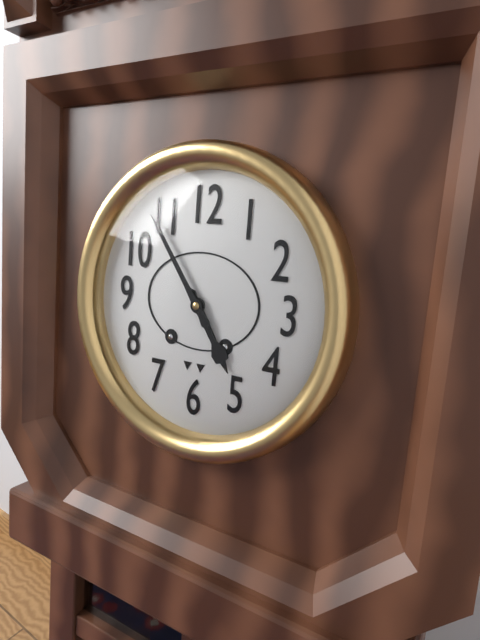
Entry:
4,54
